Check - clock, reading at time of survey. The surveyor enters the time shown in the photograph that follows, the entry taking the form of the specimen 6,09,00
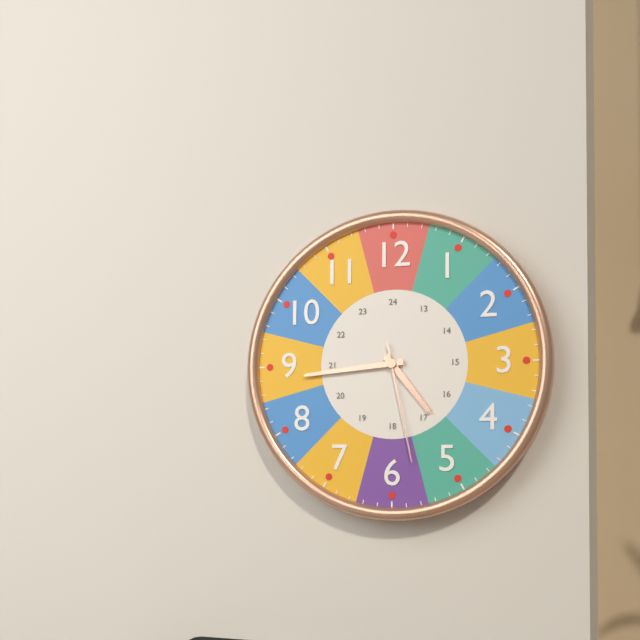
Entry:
4,44,28
